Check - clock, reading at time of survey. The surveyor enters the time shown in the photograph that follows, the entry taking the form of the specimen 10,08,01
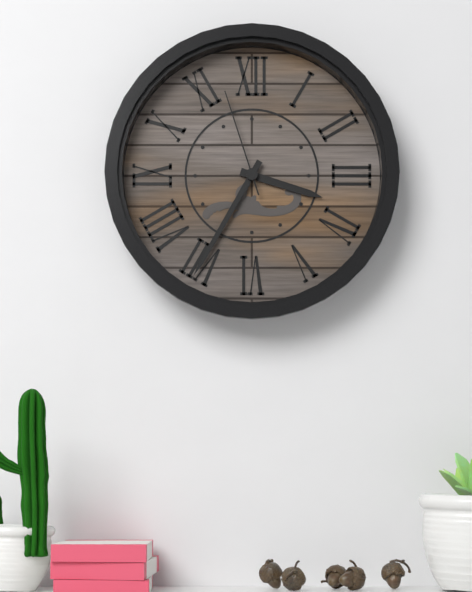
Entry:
3,35,57
